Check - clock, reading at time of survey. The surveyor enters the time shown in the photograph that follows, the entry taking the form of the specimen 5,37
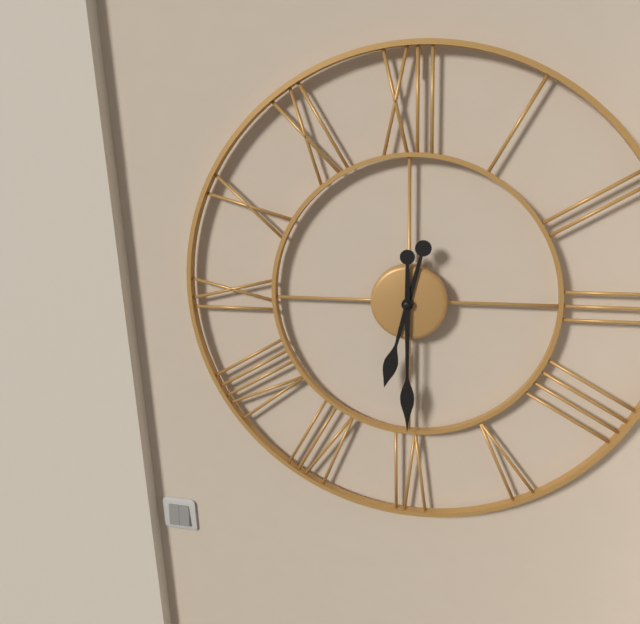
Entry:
6,30
